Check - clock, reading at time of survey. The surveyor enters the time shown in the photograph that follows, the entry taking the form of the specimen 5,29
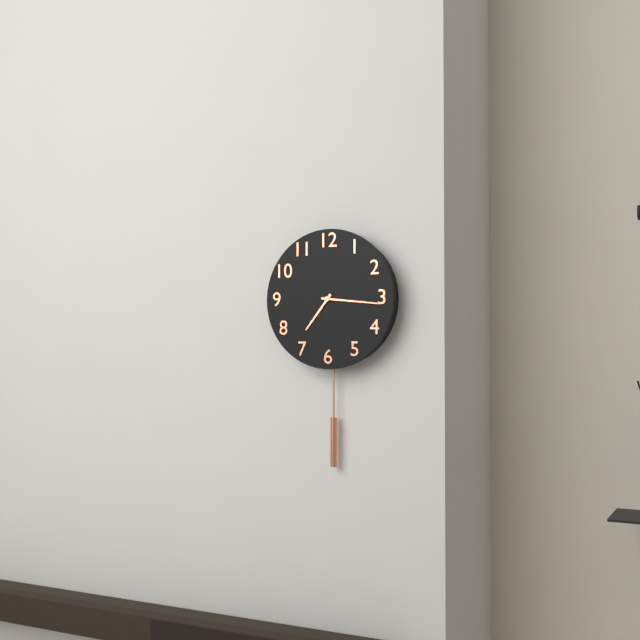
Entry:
7,16
